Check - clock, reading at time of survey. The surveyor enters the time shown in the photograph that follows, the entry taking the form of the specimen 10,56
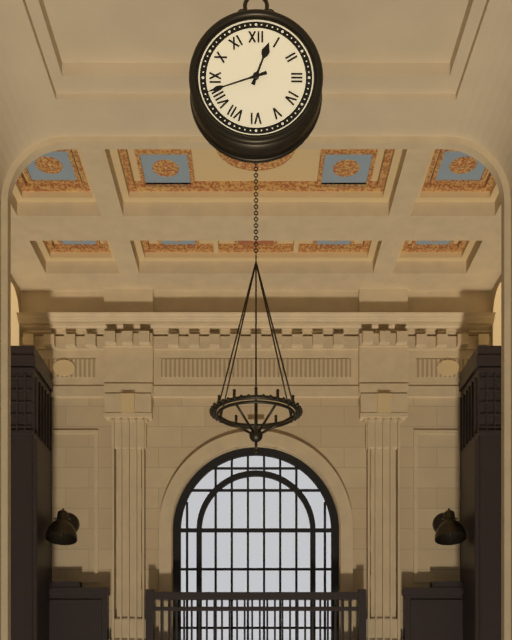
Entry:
12,42
